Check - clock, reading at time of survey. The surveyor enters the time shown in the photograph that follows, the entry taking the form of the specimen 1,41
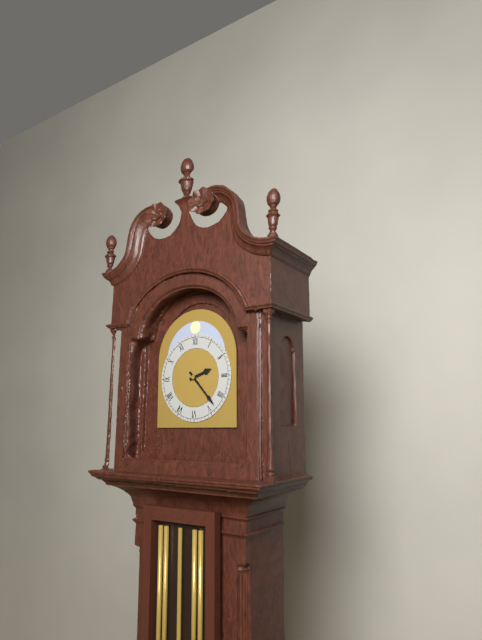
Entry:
2,23
